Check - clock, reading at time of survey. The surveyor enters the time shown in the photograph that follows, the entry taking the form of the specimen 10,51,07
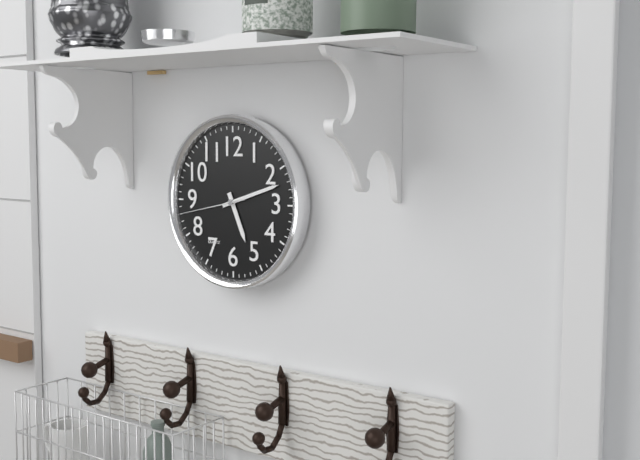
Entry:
5,12,43
